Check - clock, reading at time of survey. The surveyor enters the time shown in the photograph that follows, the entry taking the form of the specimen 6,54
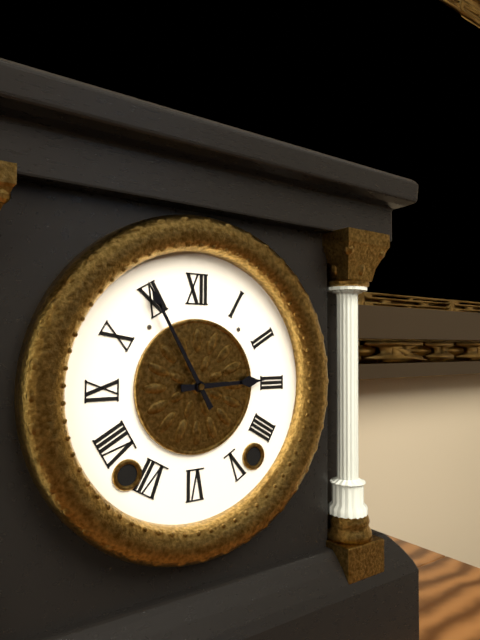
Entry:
2,55
